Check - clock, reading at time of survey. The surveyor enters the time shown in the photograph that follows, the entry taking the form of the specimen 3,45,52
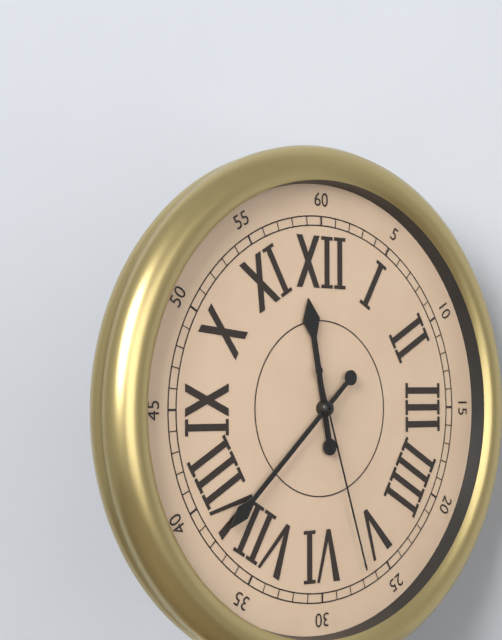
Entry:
11,38,27
